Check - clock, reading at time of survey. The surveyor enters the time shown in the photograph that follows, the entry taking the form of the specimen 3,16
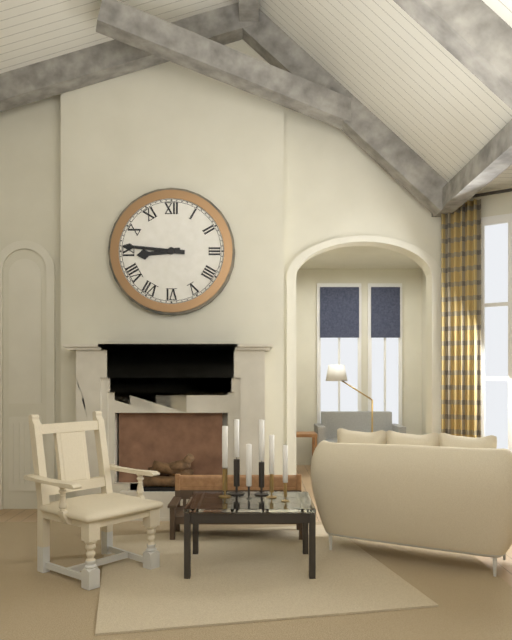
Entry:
8,46
